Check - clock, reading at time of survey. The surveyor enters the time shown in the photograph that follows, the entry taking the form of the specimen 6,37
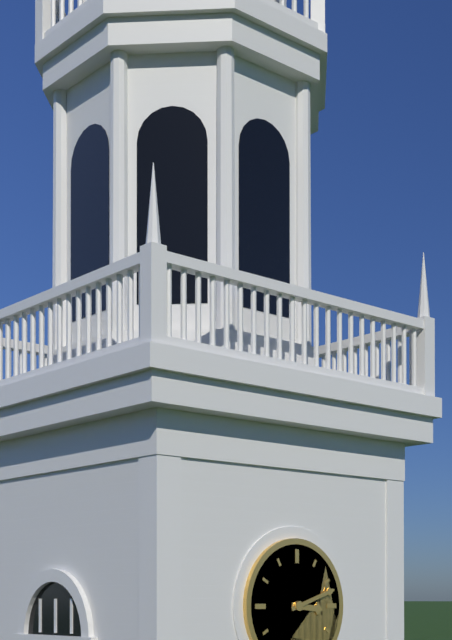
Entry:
3,12
